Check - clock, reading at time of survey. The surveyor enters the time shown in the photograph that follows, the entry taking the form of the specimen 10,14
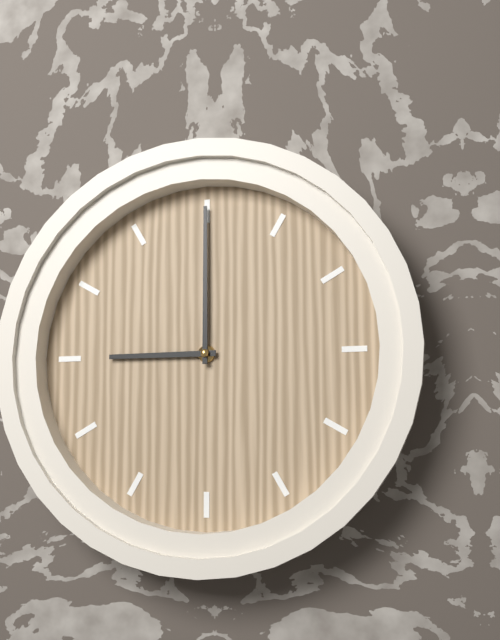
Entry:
9,00
